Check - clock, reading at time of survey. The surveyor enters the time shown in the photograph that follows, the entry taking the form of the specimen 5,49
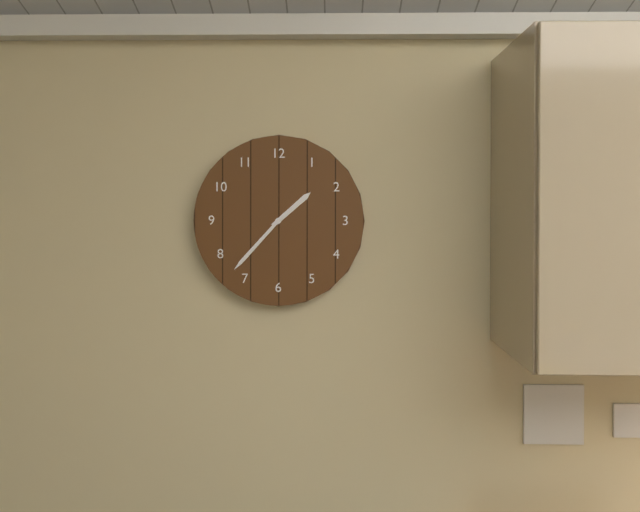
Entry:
1,37
